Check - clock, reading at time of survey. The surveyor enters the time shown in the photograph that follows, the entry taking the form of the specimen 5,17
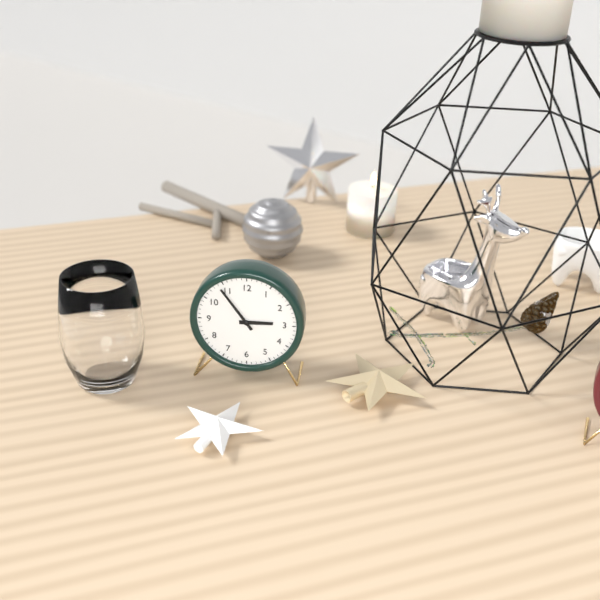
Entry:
2,54
